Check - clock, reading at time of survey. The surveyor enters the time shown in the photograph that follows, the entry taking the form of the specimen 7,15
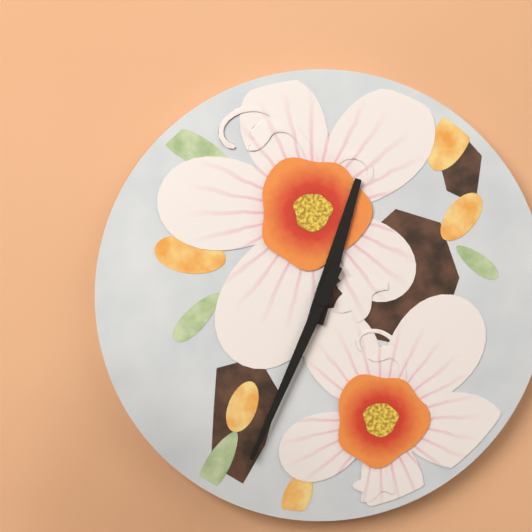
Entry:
12,34
